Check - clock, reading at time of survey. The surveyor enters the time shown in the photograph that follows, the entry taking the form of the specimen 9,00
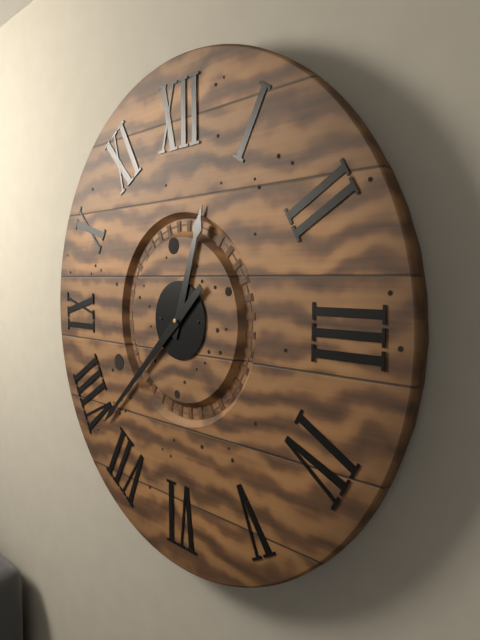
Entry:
12,38
